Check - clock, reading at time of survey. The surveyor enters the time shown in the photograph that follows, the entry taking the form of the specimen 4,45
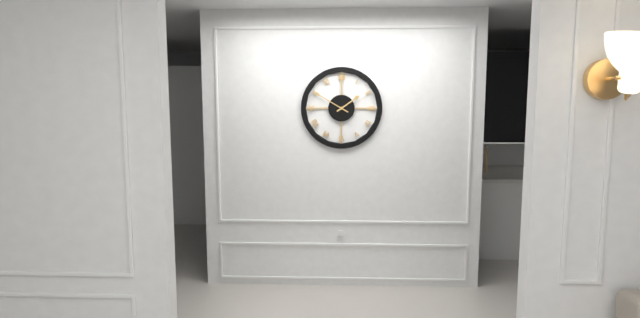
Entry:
1,50
